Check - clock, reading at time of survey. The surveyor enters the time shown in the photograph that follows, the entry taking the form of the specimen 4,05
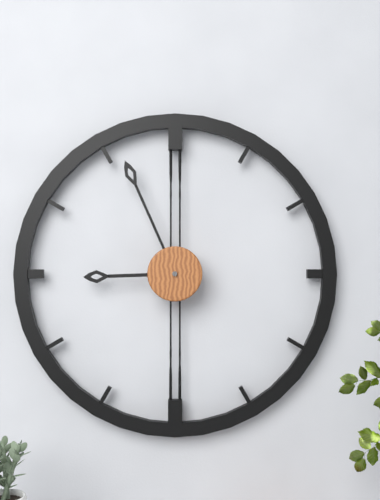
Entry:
8,56
